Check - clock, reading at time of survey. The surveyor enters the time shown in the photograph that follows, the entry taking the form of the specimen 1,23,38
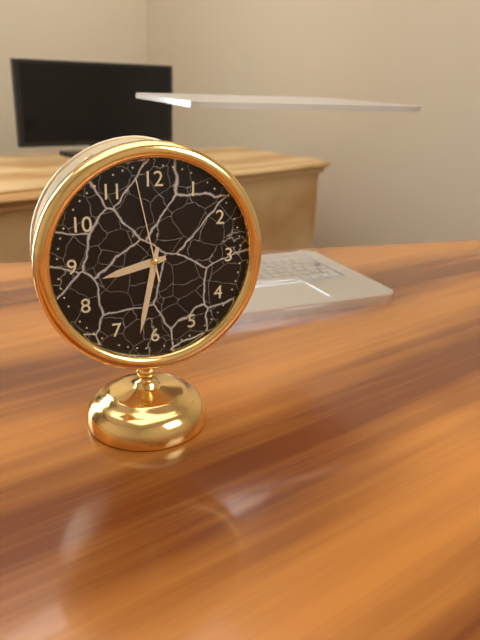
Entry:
8,32,58
